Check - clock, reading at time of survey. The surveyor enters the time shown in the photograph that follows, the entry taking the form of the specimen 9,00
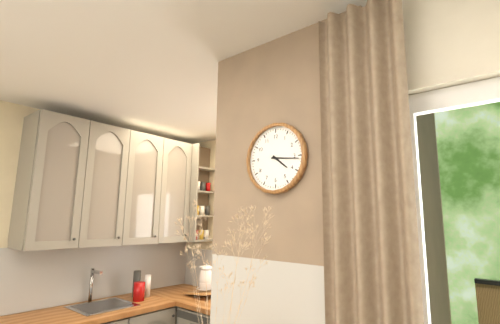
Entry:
4,16
